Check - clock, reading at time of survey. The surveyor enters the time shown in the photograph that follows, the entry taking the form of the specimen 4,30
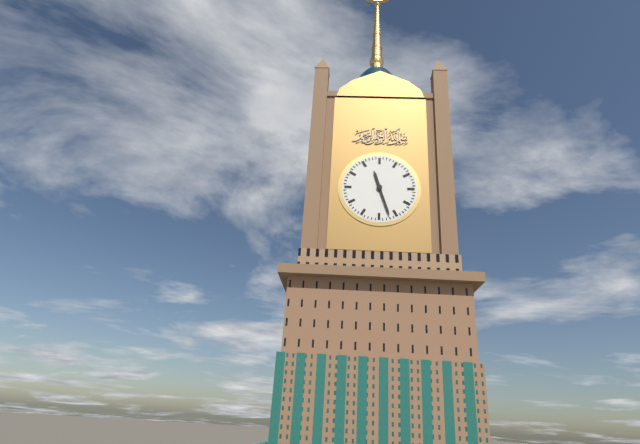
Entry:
11,27
